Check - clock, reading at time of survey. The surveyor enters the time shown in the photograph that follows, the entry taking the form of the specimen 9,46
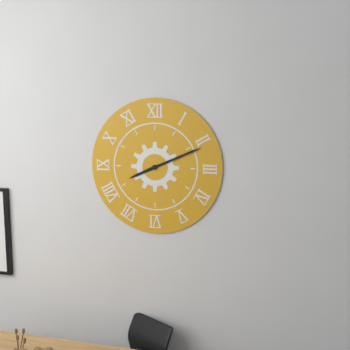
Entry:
8,11
